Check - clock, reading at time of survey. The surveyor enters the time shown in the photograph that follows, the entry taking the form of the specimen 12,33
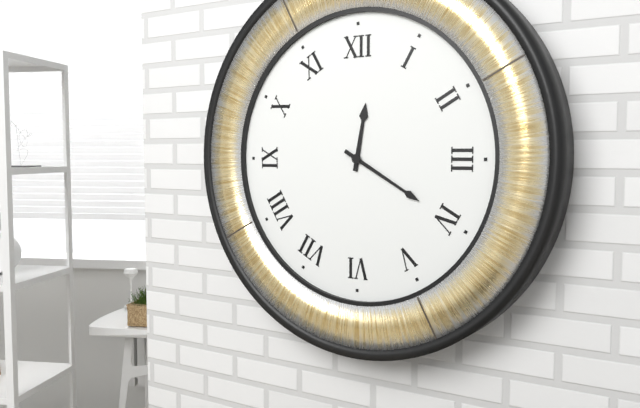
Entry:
12,20
